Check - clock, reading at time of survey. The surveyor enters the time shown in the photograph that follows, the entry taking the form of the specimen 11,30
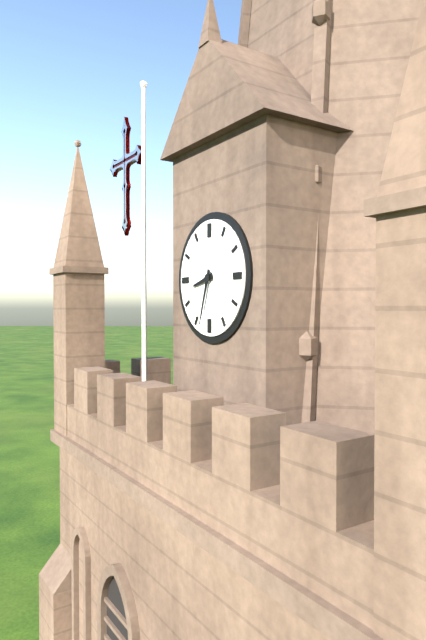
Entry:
8,33
